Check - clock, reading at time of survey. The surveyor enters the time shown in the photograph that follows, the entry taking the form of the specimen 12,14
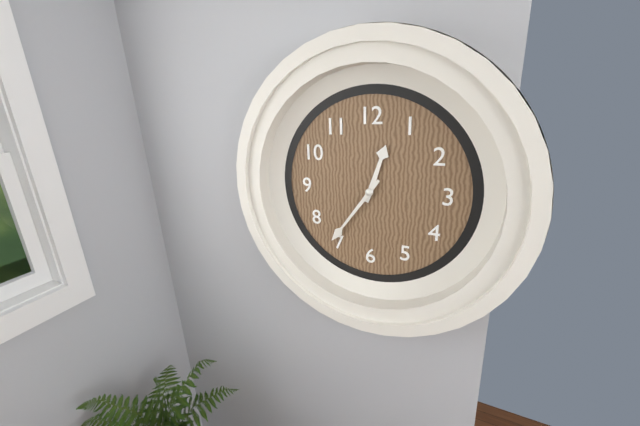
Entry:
12,36
